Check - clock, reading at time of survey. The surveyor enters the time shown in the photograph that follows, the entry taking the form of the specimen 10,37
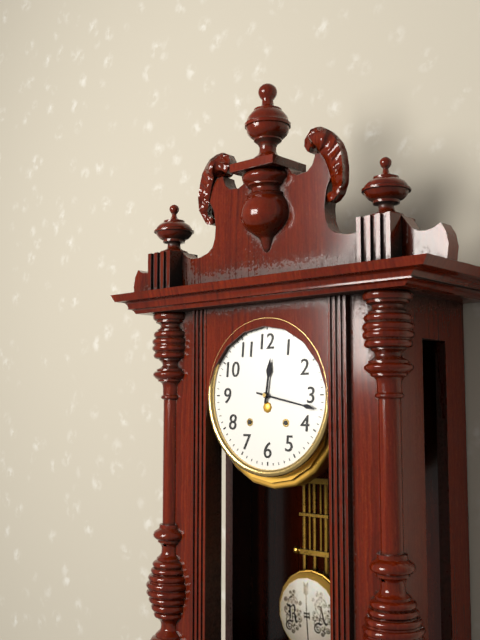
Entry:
12,17
